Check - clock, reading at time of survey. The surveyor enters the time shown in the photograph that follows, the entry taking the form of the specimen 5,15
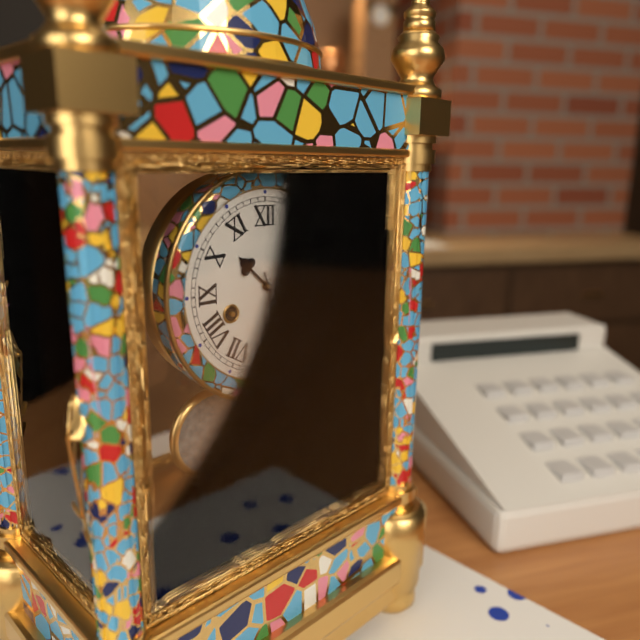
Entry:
10,27
